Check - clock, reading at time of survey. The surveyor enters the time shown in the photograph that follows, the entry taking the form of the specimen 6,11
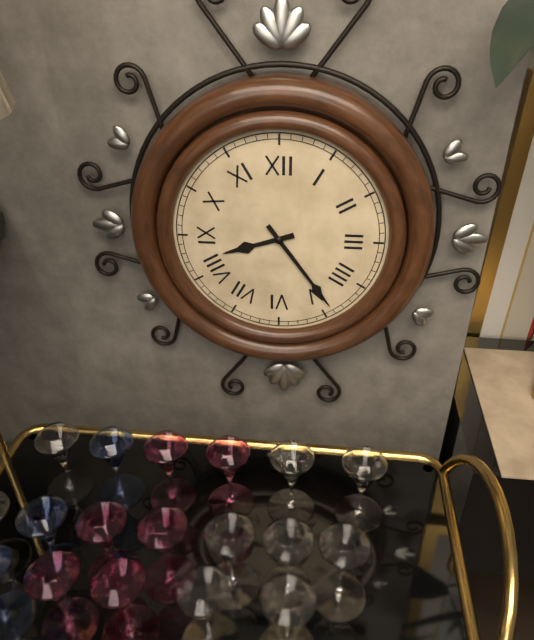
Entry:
8,24
